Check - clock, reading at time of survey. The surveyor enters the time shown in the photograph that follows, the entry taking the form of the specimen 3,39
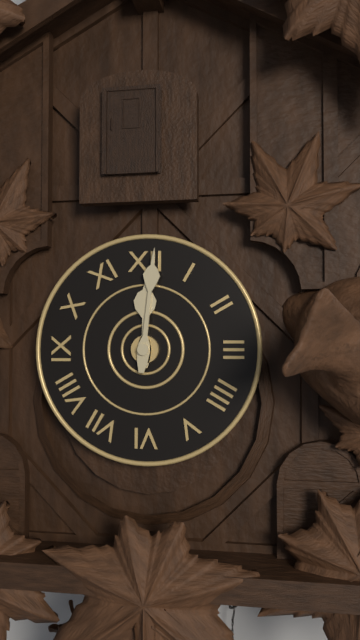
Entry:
12,01
